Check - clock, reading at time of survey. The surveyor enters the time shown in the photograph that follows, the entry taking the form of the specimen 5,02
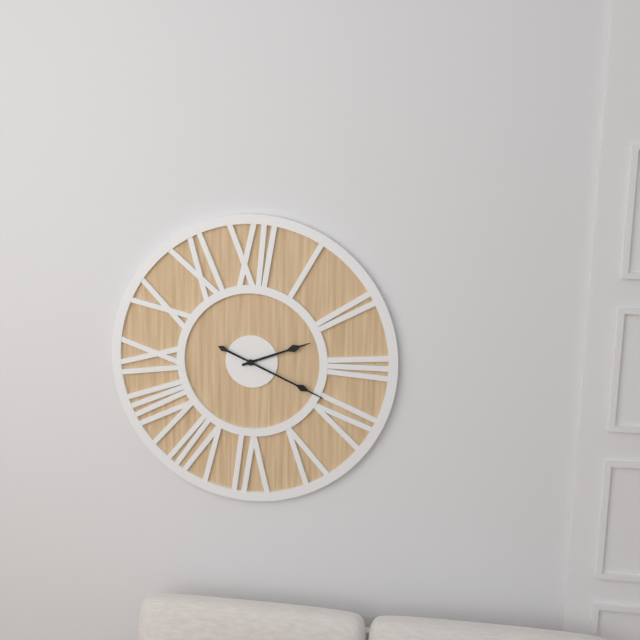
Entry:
2,19
